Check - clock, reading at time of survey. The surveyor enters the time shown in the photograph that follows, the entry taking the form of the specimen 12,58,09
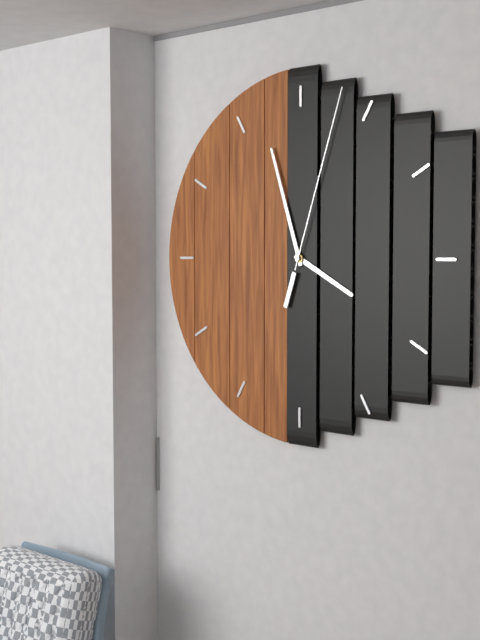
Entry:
3,57,03
